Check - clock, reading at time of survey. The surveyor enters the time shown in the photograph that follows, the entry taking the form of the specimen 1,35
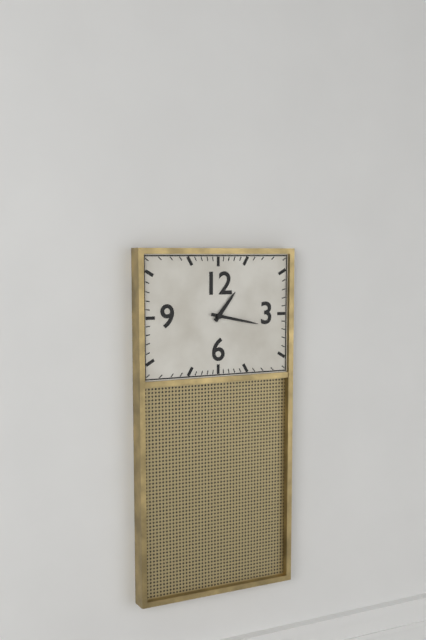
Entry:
1,17
